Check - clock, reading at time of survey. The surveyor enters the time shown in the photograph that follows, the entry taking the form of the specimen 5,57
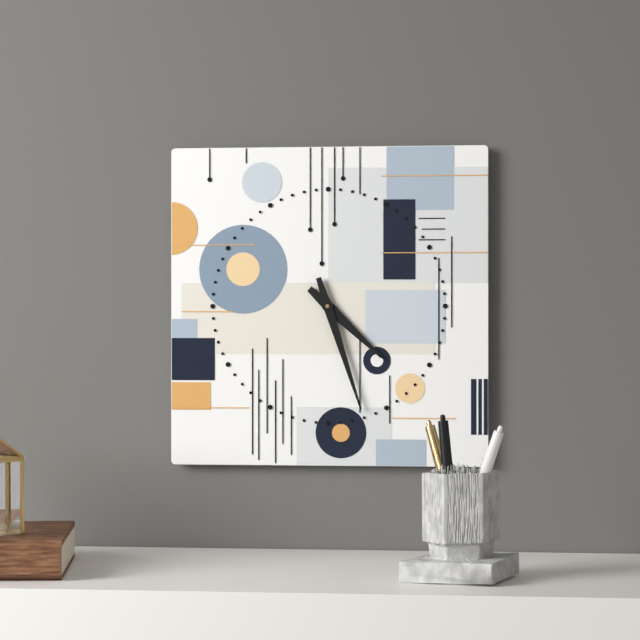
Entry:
4,27
